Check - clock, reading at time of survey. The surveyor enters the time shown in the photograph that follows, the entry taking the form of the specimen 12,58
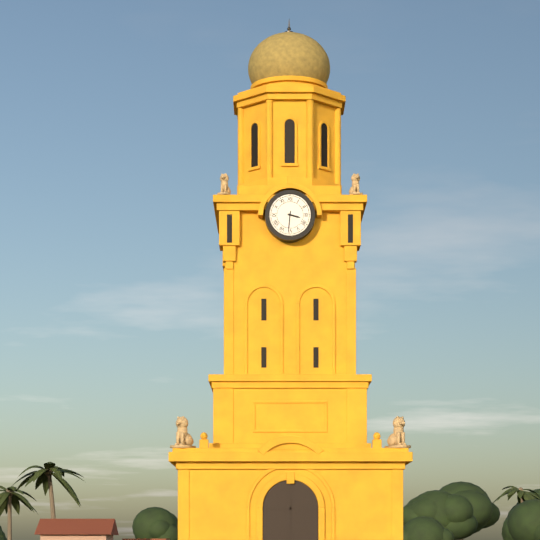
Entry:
3,31
